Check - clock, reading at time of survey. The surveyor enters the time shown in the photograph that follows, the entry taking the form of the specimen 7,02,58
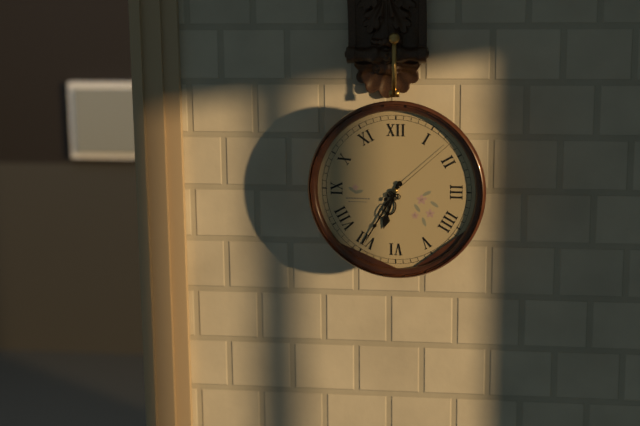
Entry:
6,35,08
